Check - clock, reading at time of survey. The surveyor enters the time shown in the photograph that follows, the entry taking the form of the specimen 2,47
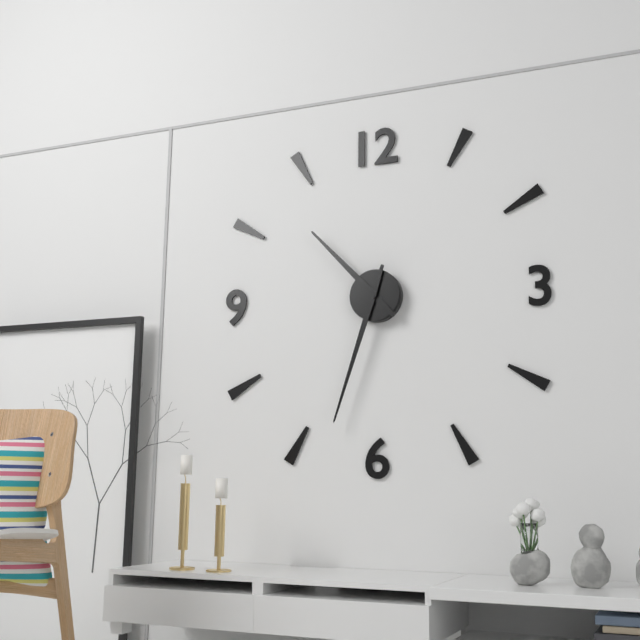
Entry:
10,33
